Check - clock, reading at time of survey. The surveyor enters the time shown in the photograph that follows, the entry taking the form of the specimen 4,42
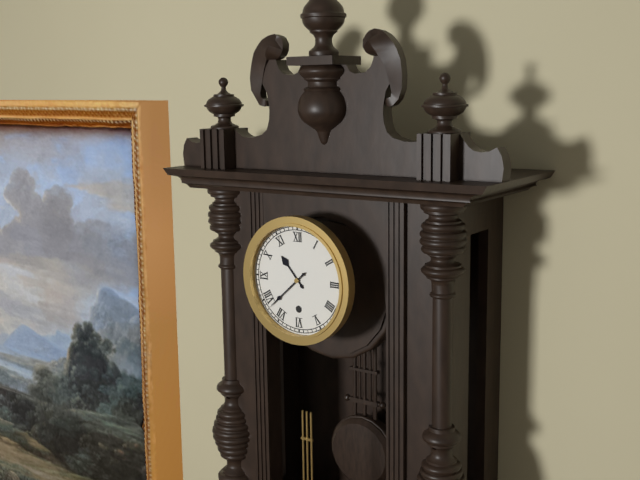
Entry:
10,38
